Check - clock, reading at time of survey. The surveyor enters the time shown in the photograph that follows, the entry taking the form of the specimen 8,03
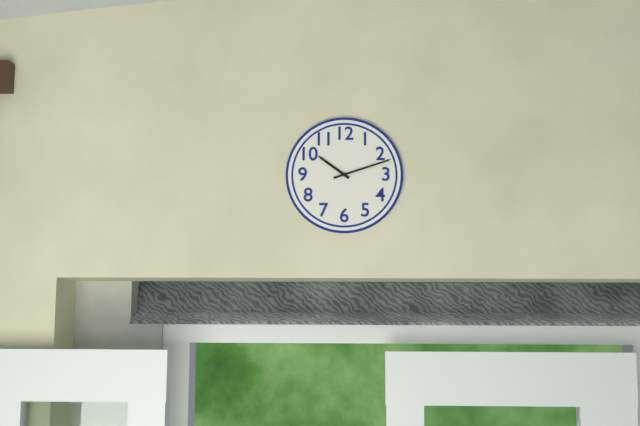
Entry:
10,12
